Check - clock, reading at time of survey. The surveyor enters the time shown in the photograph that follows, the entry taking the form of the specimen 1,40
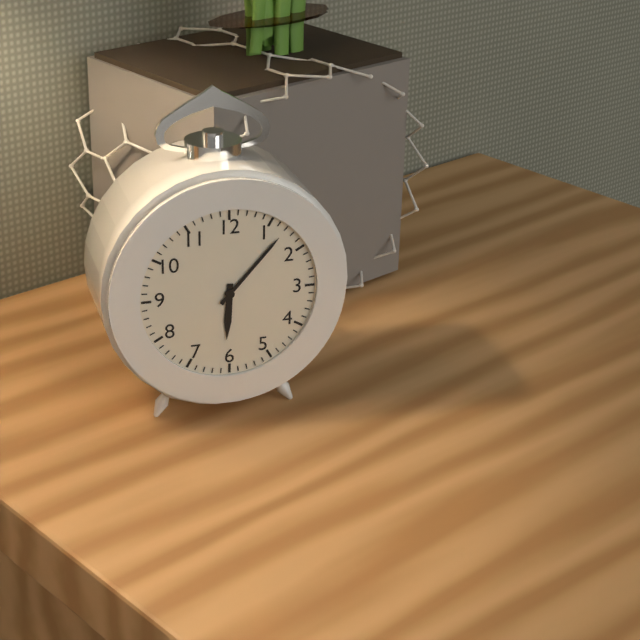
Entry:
6,07
